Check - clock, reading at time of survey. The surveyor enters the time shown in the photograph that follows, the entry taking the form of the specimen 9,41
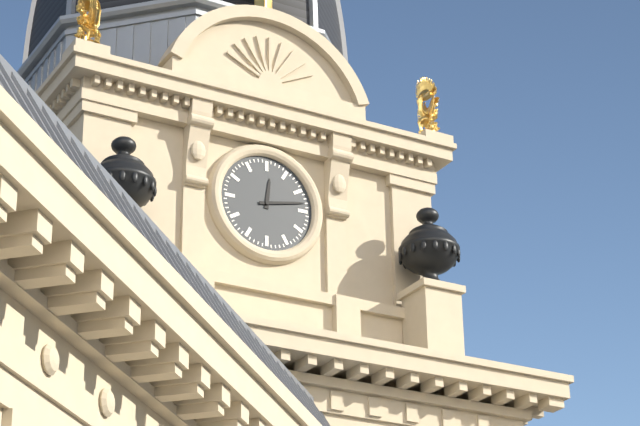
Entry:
12,13
